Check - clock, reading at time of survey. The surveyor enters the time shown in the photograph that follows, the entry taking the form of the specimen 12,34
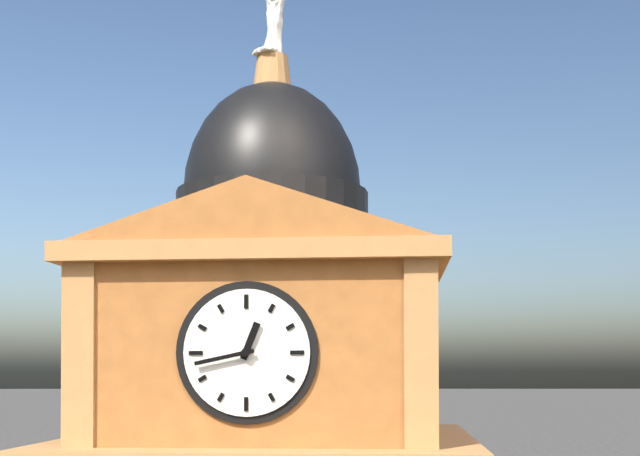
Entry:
12,43
